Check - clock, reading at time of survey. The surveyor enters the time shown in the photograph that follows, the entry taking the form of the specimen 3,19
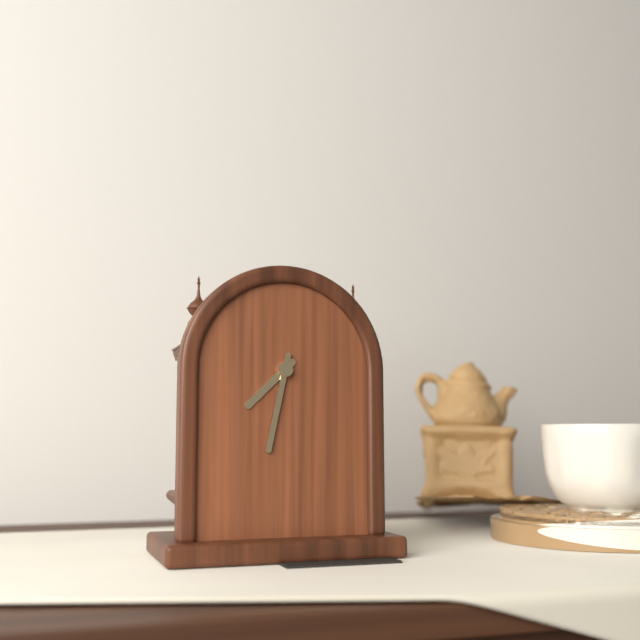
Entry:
7,32
